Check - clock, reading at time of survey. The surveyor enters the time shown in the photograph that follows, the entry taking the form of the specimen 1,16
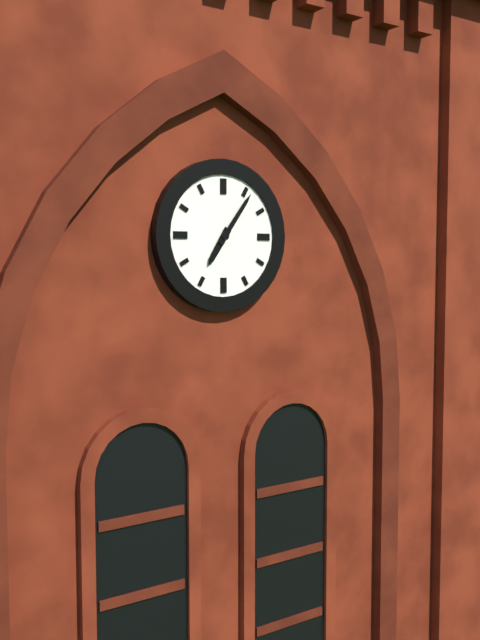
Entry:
7,06
